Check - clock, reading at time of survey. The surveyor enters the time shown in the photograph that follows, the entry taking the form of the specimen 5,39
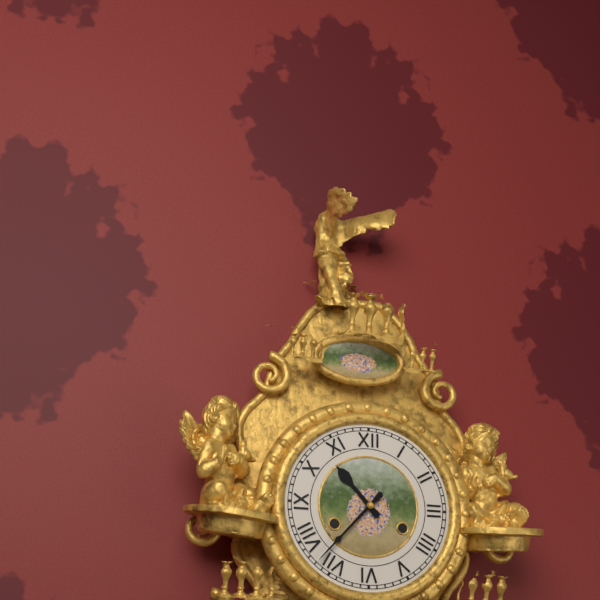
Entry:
10,37
